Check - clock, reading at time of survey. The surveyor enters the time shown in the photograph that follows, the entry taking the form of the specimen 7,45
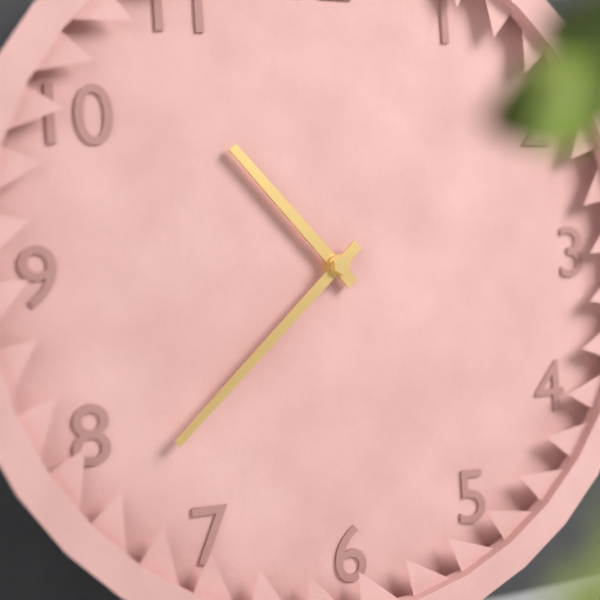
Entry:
10,38
